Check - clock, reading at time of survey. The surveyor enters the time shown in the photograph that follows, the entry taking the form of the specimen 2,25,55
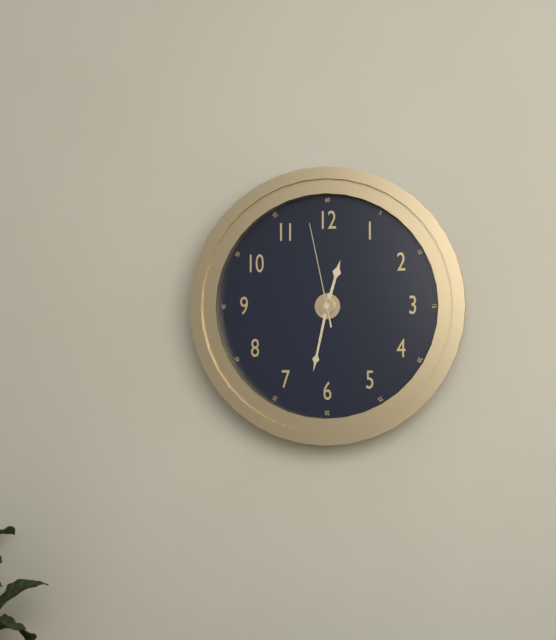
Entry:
12,32,58
